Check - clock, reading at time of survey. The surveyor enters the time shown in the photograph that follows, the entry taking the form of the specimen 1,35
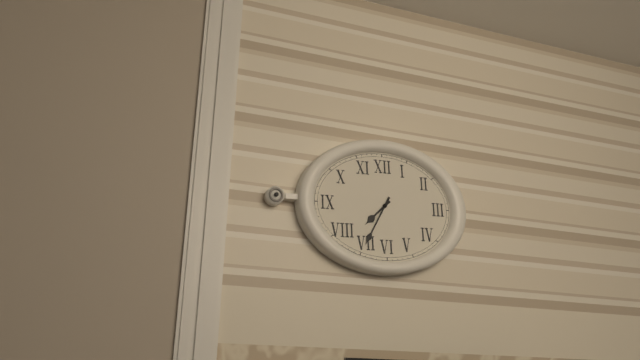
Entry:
7,35
